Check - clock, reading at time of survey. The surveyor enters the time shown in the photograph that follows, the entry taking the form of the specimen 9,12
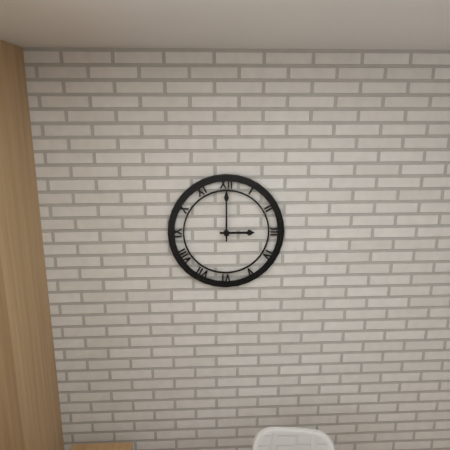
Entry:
3,00
